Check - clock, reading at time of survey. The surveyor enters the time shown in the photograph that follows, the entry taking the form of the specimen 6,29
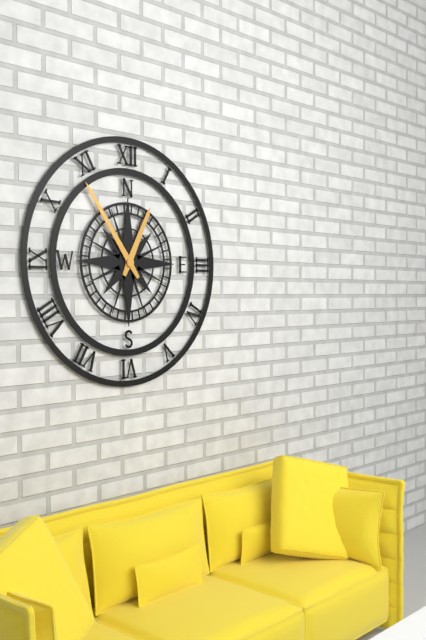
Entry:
12,54
